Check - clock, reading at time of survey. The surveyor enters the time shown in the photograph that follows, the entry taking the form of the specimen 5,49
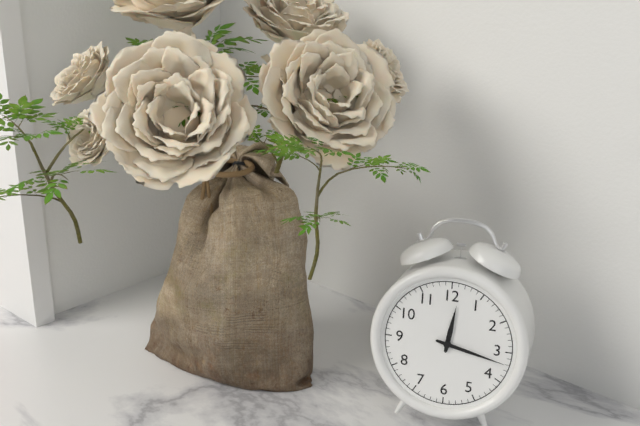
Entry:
12,17
